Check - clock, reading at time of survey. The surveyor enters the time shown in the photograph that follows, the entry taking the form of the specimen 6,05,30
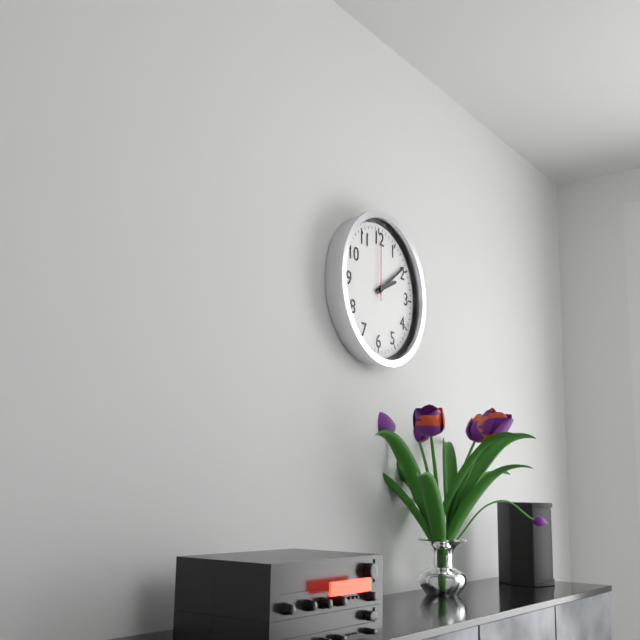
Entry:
2,09,00
